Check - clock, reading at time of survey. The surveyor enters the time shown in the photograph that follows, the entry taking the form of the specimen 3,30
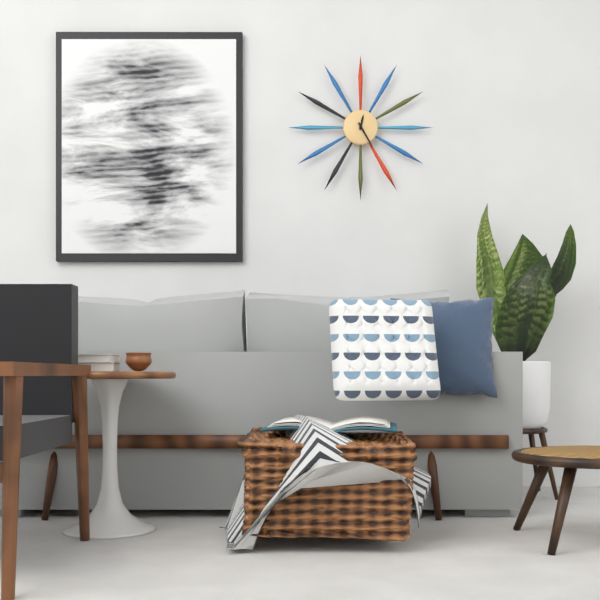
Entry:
12,25
